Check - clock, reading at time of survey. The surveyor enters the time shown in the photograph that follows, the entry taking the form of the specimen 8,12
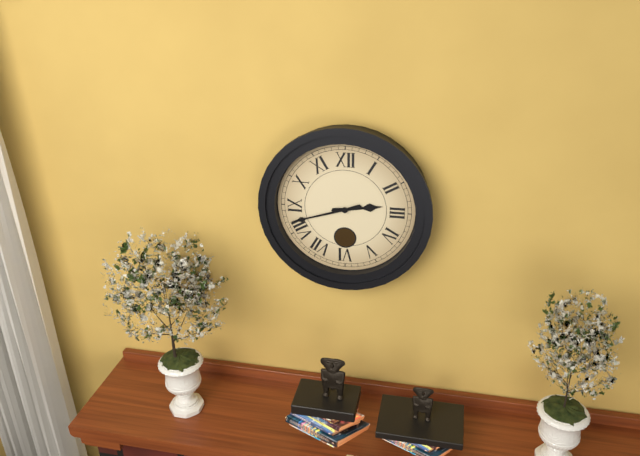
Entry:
2,42
